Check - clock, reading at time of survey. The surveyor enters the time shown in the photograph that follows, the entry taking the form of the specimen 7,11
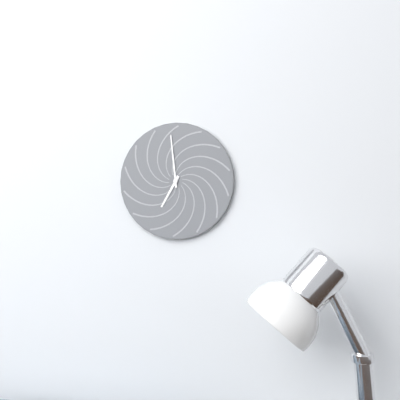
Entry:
6,59
